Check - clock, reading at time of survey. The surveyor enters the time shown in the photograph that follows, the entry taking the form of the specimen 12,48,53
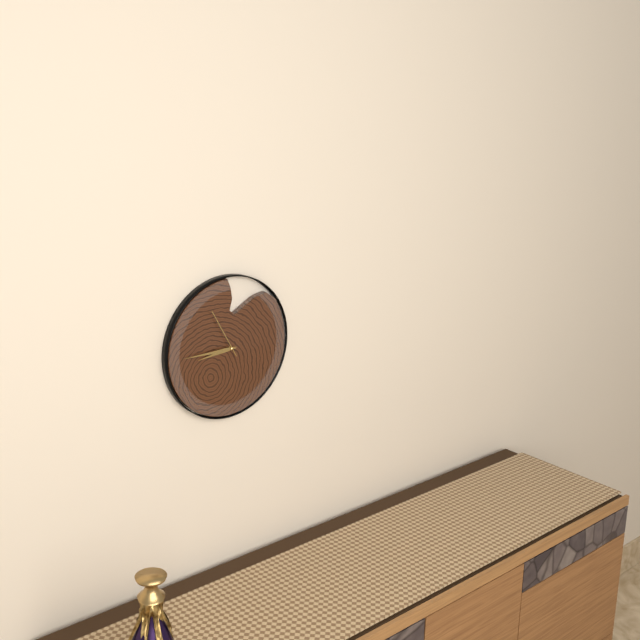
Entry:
8,45,55
